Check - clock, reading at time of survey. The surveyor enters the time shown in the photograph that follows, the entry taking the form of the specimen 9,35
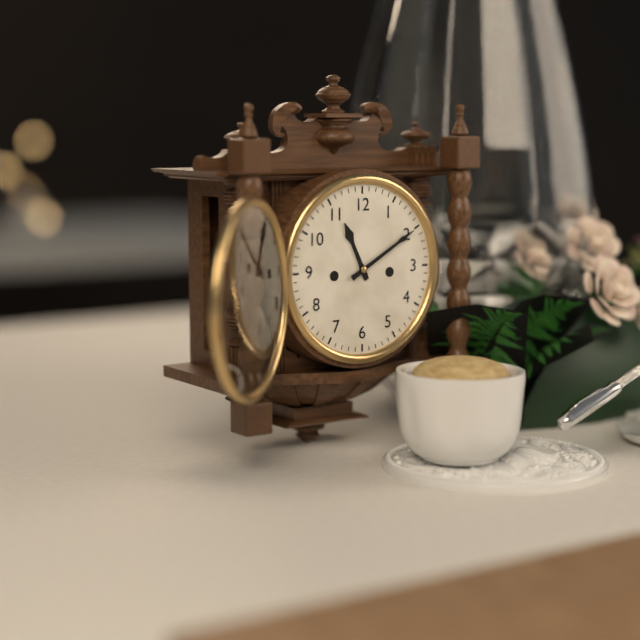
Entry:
11,10
